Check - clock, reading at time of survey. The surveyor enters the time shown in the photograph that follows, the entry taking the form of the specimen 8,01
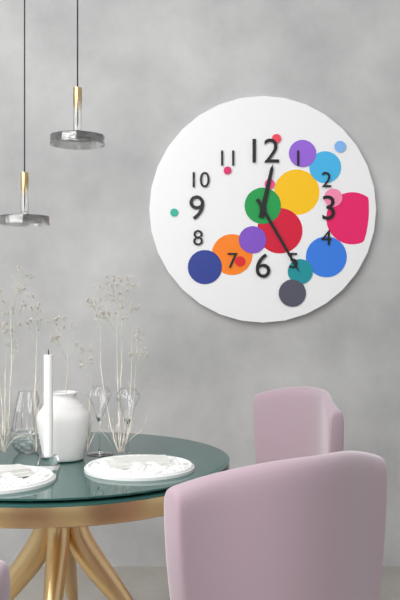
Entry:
12,25
